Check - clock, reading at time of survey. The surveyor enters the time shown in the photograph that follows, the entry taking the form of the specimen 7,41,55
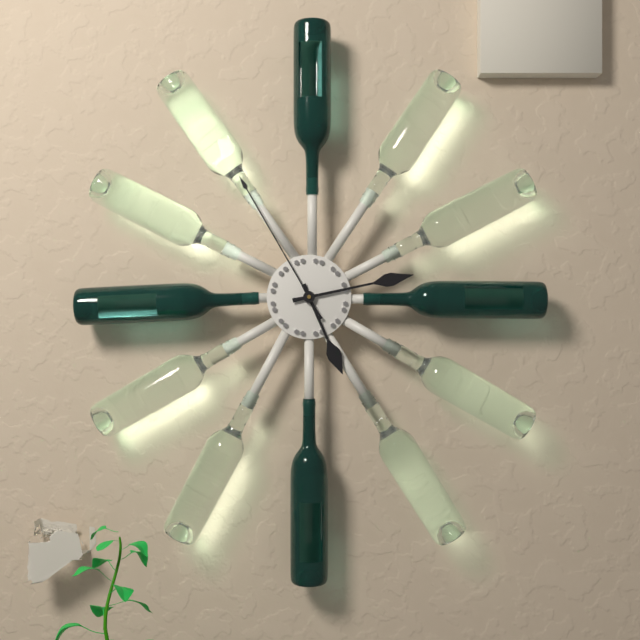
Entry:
5,13,55
